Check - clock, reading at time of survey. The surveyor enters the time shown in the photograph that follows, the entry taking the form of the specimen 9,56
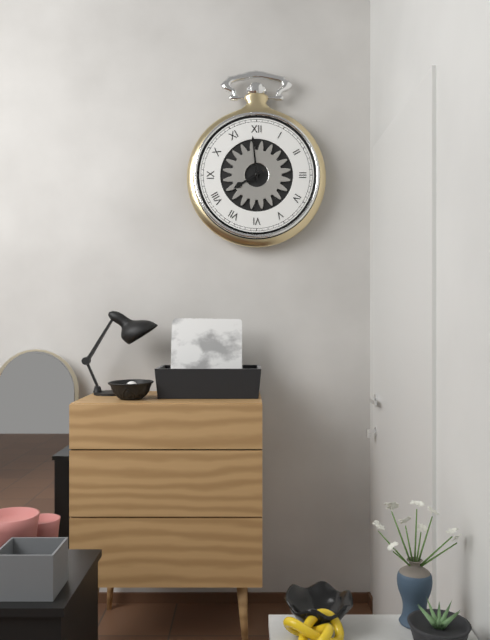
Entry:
7,59
